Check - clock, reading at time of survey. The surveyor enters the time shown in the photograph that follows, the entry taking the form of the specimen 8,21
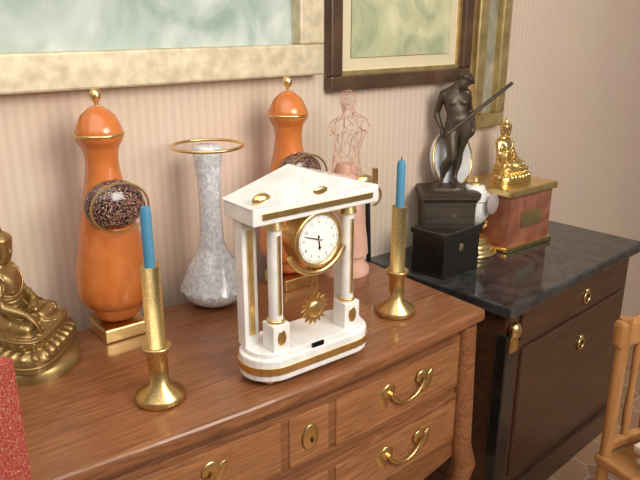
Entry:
5,48
